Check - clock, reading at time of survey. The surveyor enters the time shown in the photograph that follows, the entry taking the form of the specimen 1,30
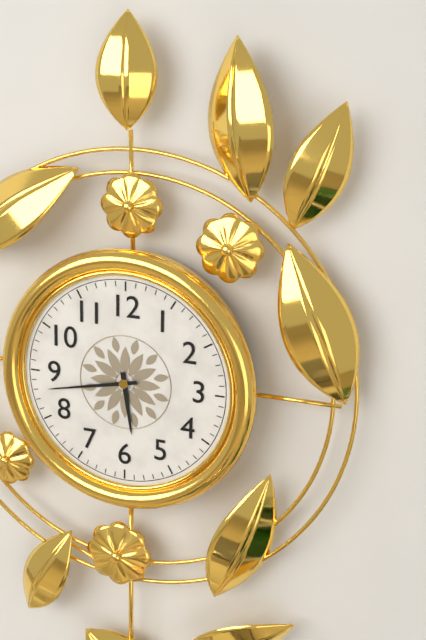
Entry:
5,43
